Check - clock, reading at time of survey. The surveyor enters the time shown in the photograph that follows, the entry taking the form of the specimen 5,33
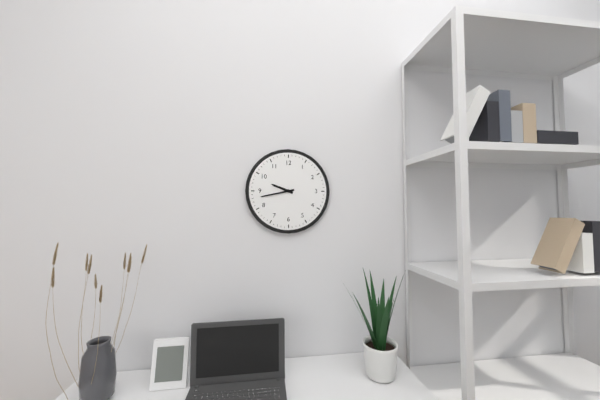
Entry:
9,43
